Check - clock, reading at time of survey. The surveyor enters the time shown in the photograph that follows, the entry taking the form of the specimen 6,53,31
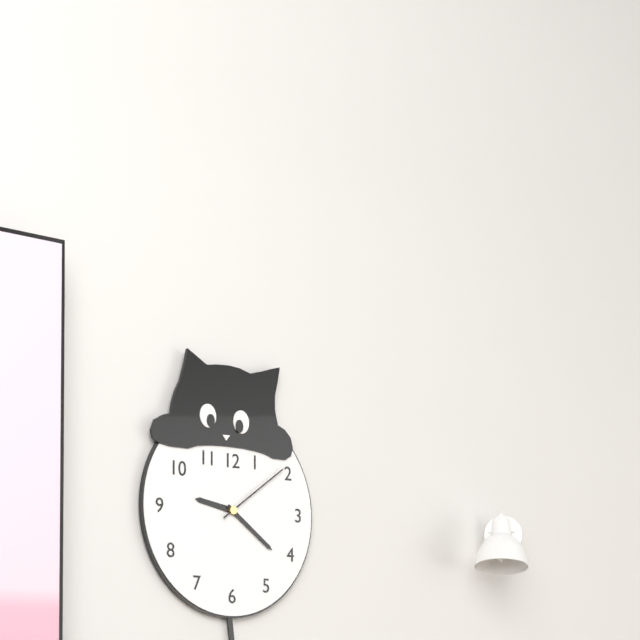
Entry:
9,21,09
